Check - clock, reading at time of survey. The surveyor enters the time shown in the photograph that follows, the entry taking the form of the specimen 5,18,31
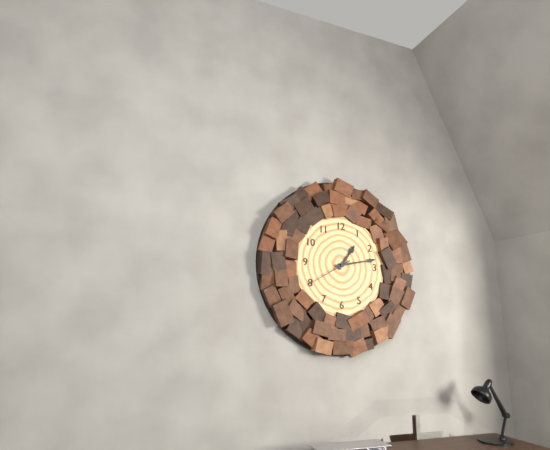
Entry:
1,13,40
